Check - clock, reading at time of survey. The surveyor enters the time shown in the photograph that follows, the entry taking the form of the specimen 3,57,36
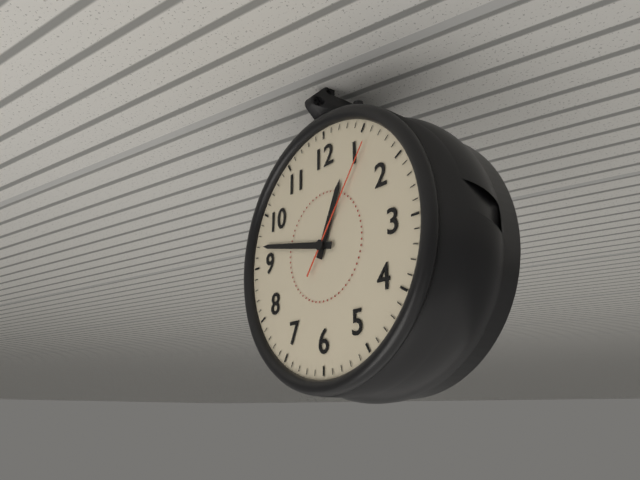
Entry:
12,47,06
